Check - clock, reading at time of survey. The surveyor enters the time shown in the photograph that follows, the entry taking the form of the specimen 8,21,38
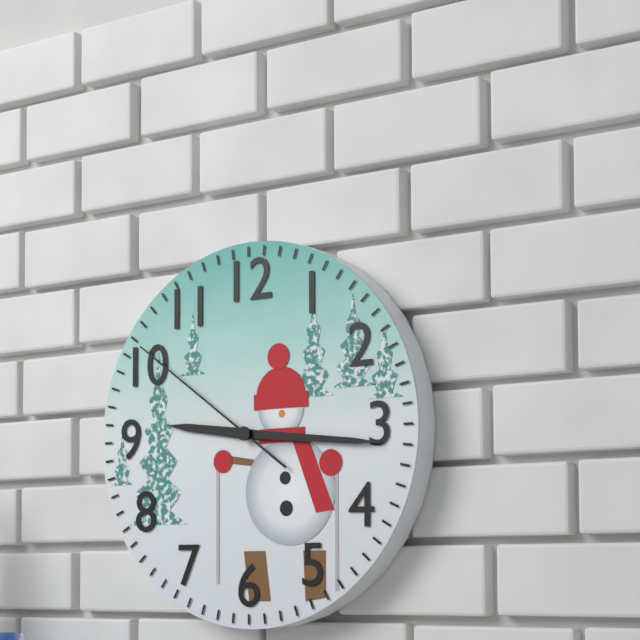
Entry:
9,16,51
